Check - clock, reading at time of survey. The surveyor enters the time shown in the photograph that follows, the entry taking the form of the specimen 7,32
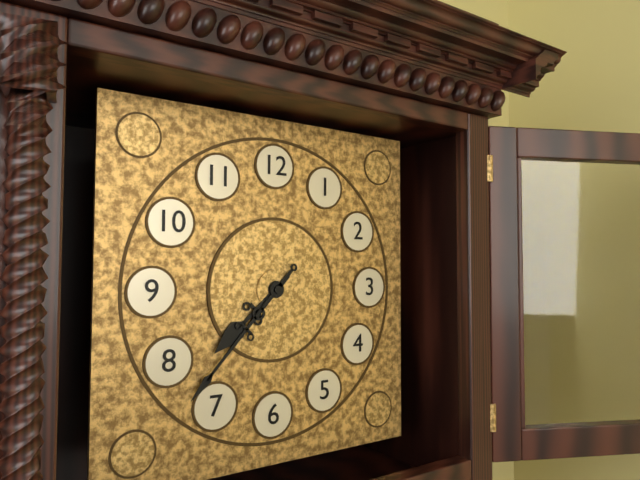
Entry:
7,37
